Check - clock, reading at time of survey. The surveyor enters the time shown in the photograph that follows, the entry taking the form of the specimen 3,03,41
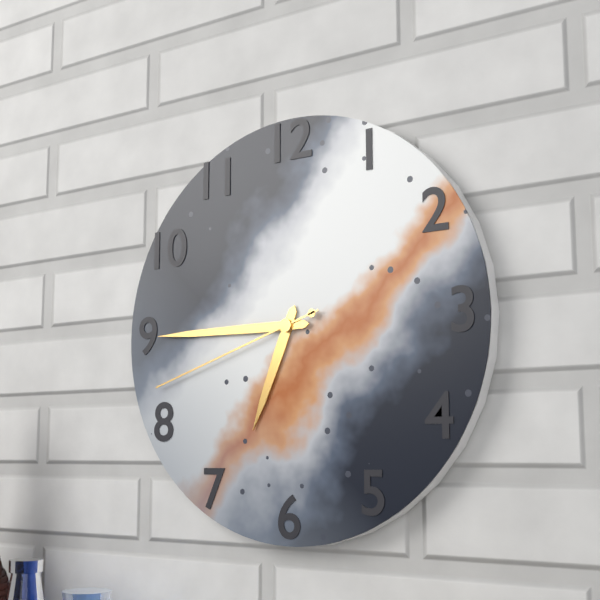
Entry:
6,45,42
